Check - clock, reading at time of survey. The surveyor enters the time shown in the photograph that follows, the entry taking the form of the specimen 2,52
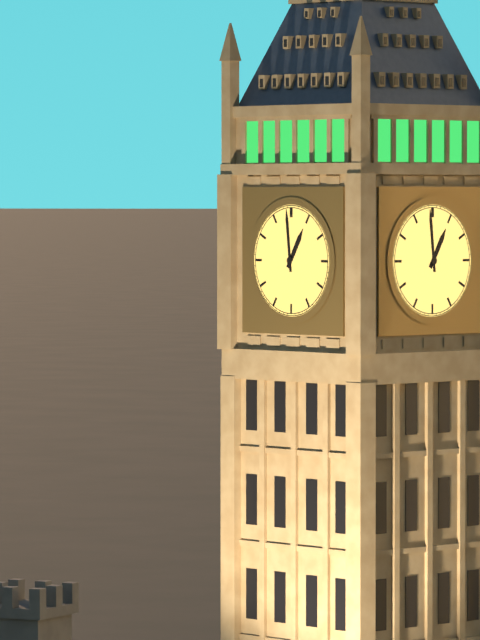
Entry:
12,59
